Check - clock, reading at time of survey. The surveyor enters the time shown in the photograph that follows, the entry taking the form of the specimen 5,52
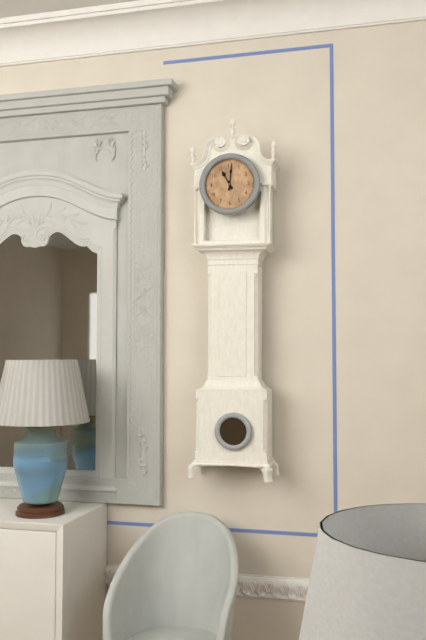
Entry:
11,01
